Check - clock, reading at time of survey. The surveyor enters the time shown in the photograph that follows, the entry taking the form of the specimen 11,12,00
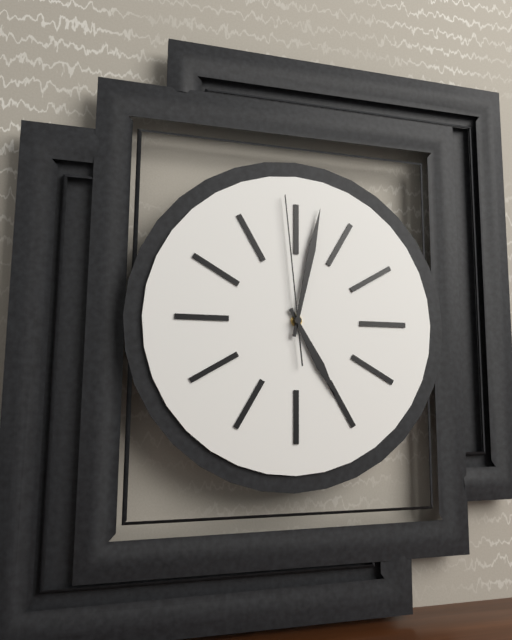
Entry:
5,02,59
